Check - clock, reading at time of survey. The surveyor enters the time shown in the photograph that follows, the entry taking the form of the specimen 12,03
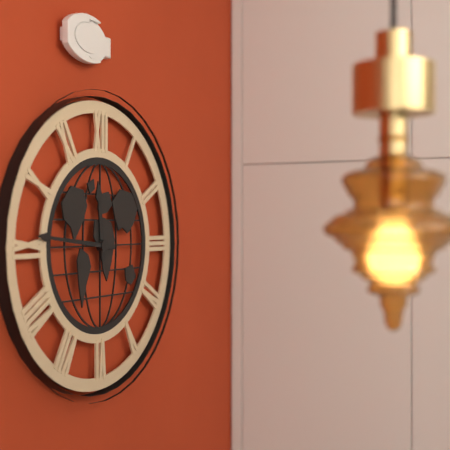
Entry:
11,46
